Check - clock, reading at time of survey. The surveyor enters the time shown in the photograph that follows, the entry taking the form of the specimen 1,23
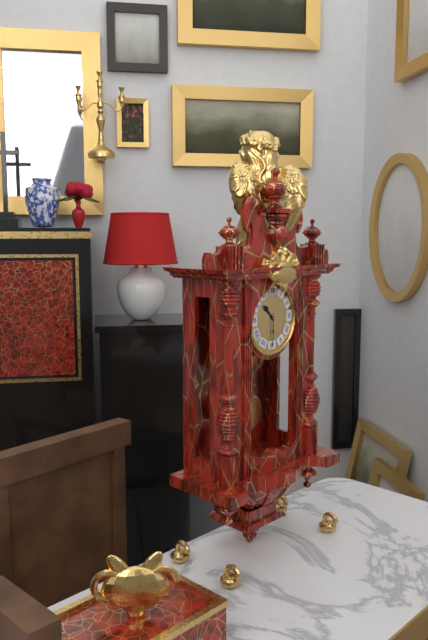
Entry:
10,30
